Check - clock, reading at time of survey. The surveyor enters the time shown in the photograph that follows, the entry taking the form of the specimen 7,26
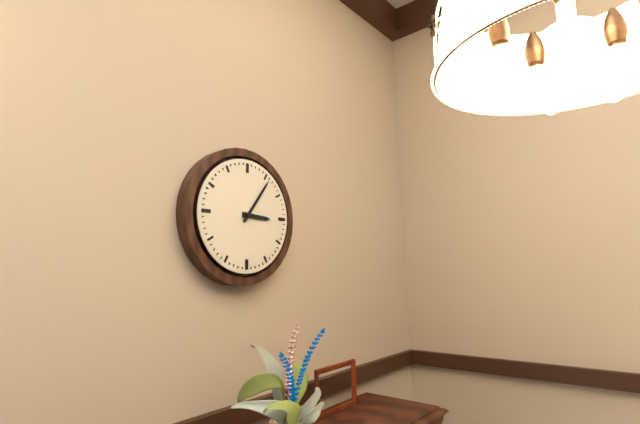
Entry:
3,06
